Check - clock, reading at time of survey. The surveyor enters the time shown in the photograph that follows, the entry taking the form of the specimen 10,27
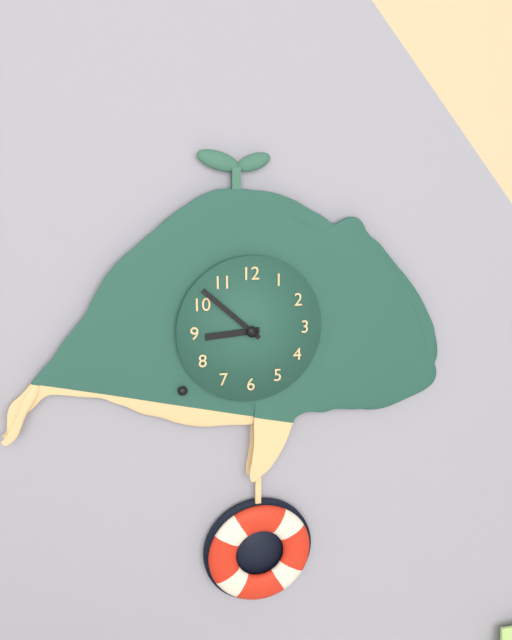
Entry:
8,52
